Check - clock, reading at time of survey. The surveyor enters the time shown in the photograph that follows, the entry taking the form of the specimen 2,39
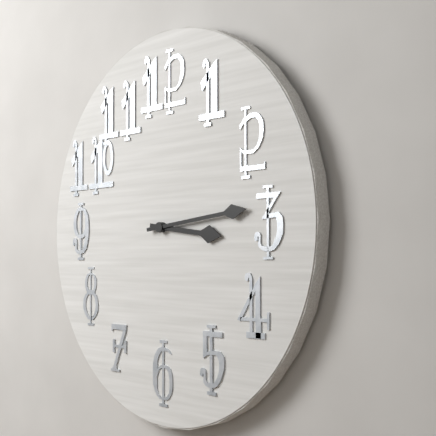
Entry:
3,14
